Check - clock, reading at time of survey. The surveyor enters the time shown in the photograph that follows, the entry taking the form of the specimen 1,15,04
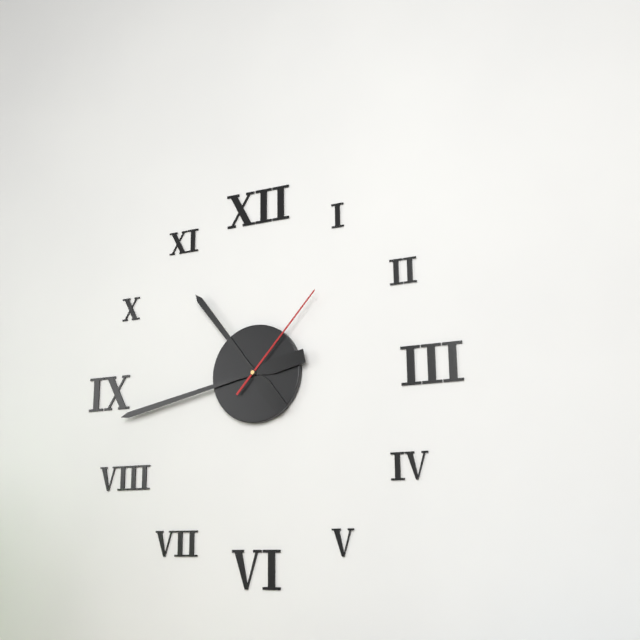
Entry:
10,43,07
